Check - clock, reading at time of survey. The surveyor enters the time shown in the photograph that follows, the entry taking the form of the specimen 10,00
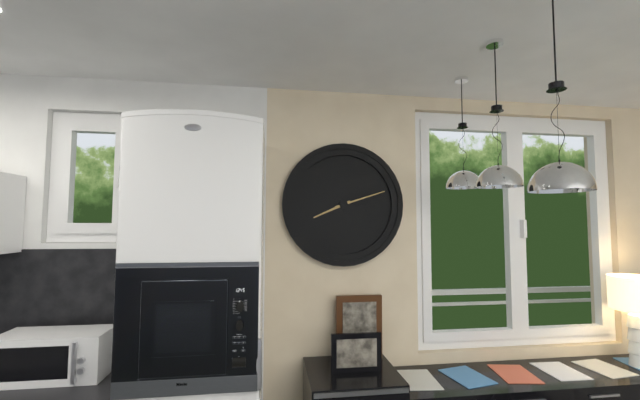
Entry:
8,12
